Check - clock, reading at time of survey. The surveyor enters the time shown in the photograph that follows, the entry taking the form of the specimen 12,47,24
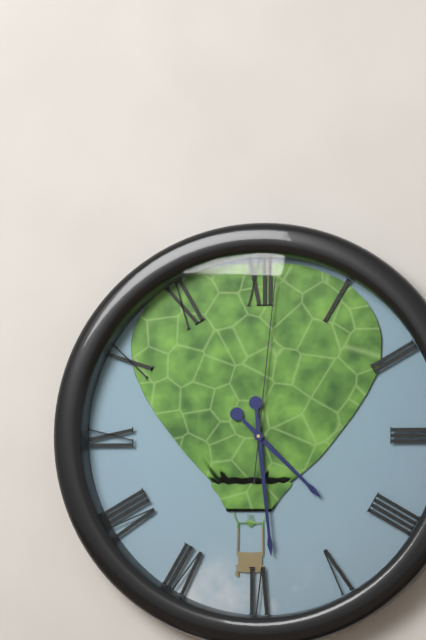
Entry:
4,29,01
